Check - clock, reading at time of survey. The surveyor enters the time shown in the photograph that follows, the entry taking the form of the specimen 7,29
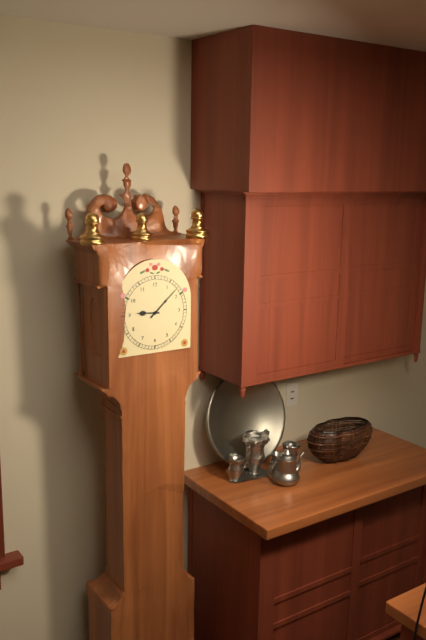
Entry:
9,08
